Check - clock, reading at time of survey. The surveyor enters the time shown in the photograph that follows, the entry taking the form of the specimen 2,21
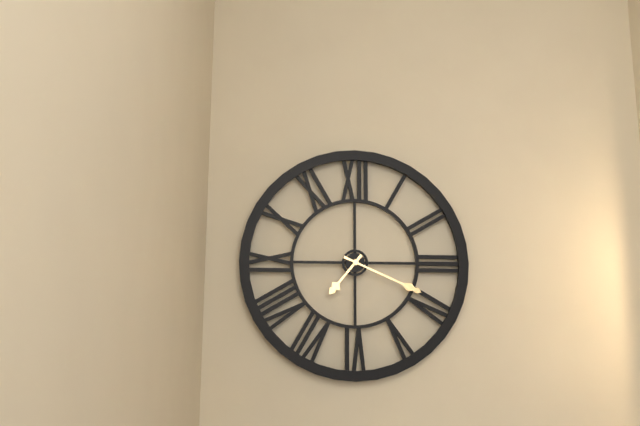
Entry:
7,19
